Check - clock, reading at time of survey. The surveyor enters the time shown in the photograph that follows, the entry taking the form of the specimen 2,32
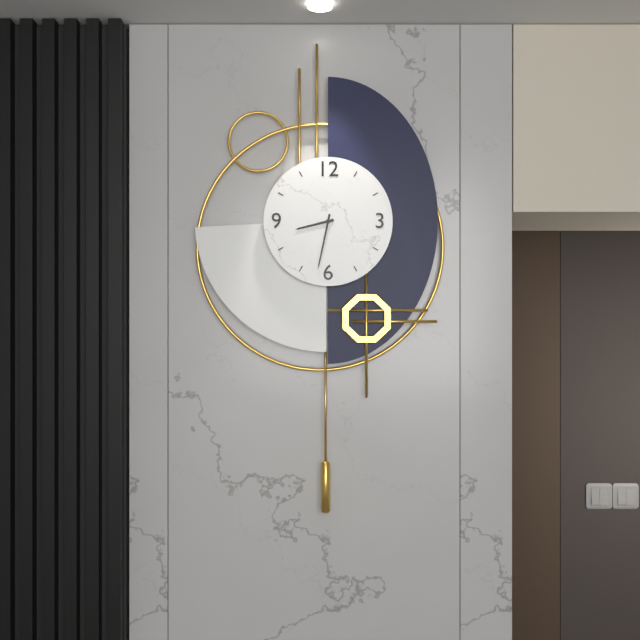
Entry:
8,32
